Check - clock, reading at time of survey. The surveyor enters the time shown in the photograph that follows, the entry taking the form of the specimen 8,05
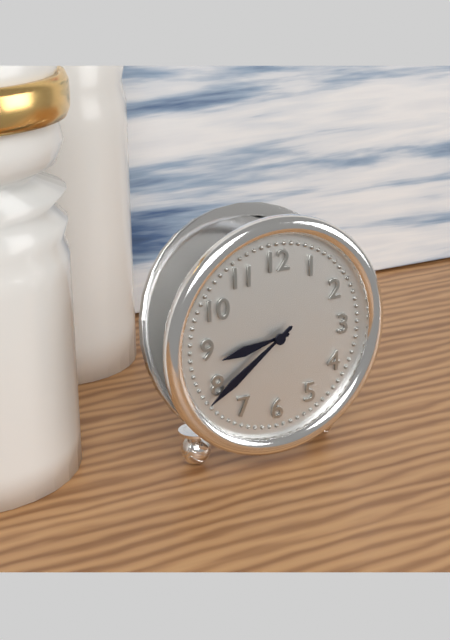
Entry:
8,39
